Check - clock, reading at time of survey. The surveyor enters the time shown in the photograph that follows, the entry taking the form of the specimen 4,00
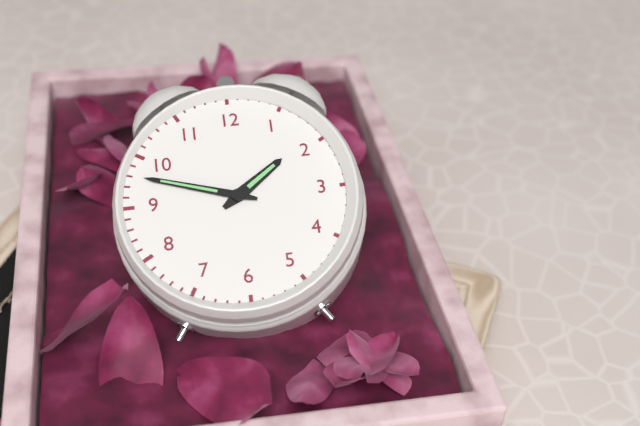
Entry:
1,48
